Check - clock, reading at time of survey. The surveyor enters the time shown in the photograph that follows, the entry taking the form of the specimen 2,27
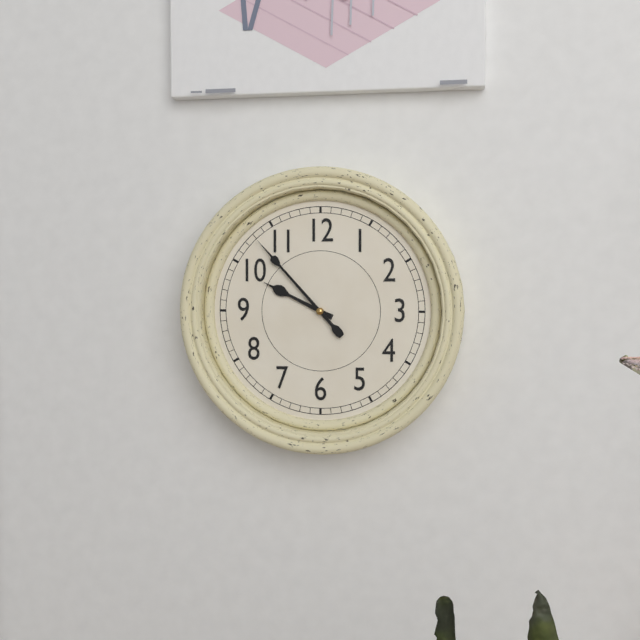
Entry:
9,53
